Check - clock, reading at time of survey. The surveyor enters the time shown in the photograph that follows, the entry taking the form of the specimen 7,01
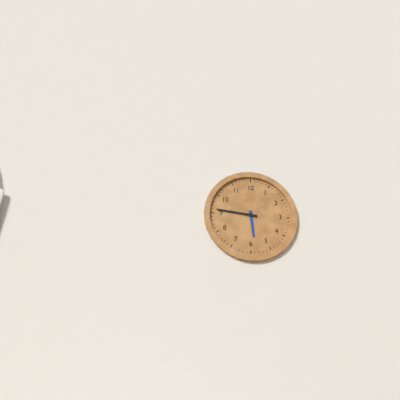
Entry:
5,46
